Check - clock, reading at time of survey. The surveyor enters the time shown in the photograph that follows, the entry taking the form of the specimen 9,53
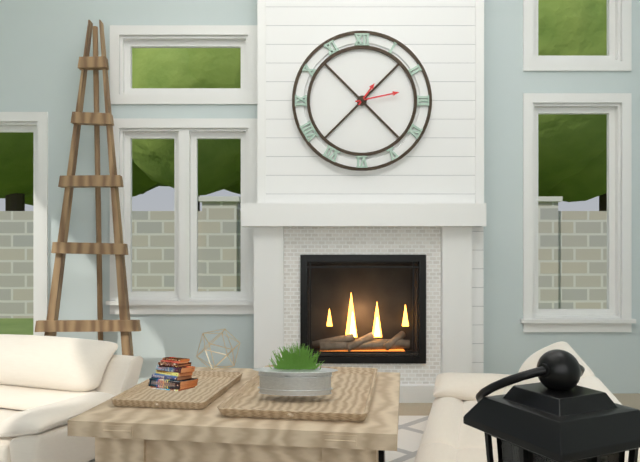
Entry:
1,13
